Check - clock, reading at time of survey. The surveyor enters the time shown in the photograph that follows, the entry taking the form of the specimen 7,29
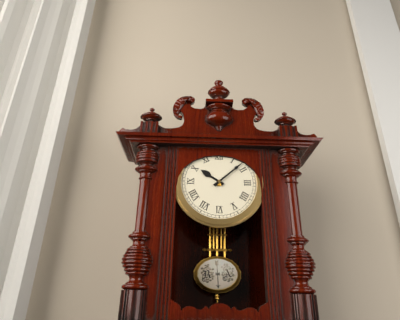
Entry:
10,08
